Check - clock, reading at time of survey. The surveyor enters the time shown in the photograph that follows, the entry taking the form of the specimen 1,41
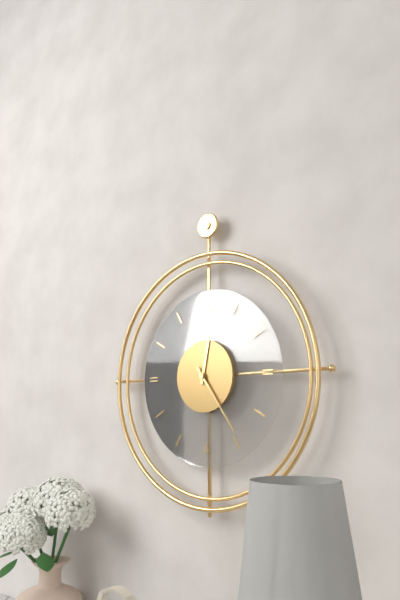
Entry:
12,24
